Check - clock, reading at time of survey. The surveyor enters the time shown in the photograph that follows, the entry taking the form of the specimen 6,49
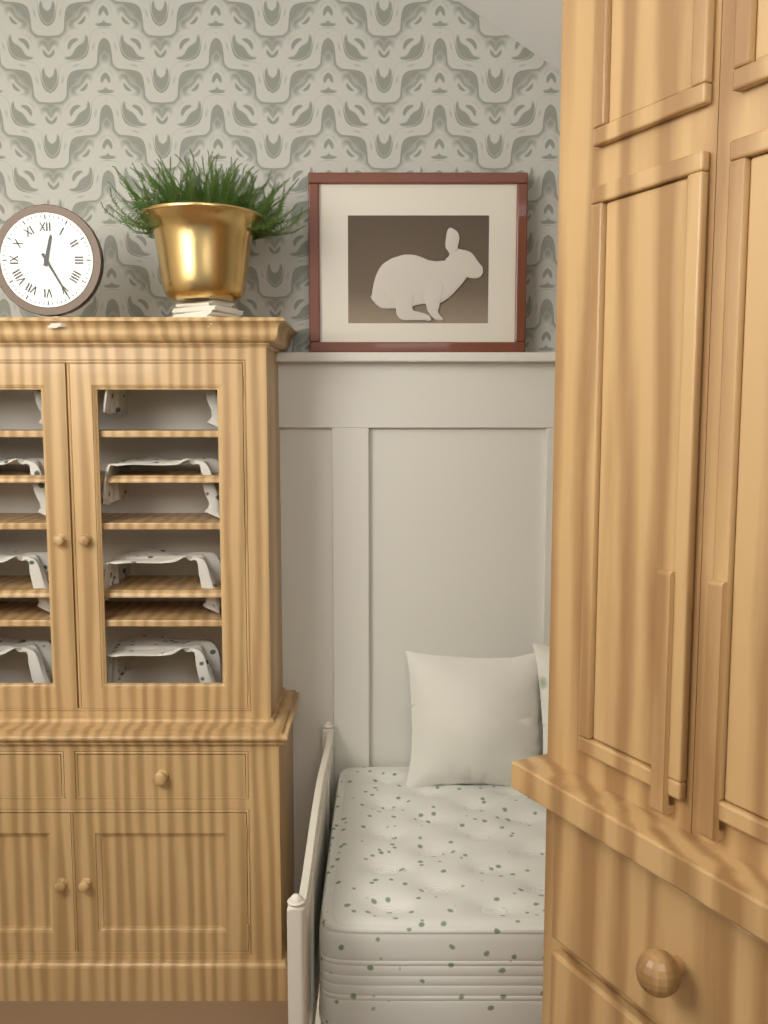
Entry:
12,25
